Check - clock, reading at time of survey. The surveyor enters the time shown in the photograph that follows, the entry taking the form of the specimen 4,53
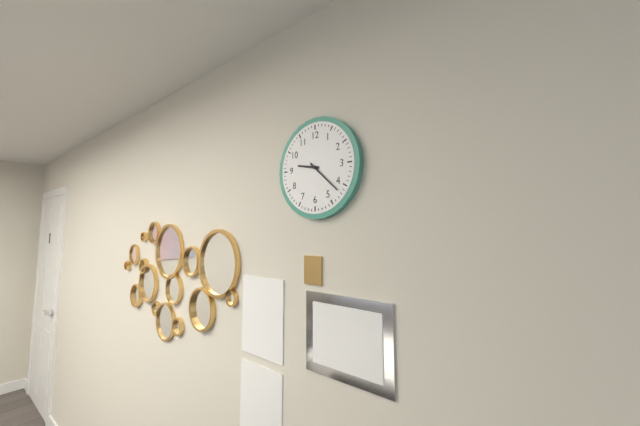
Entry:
9,22
